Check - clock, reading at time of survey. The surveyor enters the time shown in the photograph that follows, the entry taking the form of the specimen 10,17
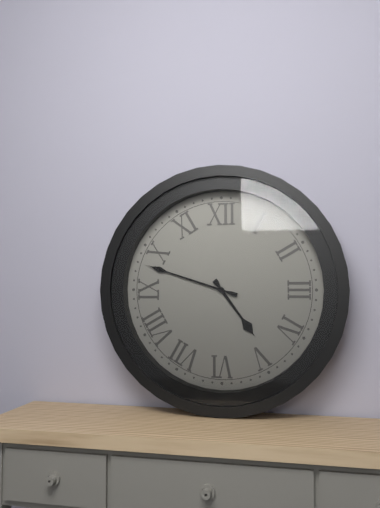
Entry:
4,48
